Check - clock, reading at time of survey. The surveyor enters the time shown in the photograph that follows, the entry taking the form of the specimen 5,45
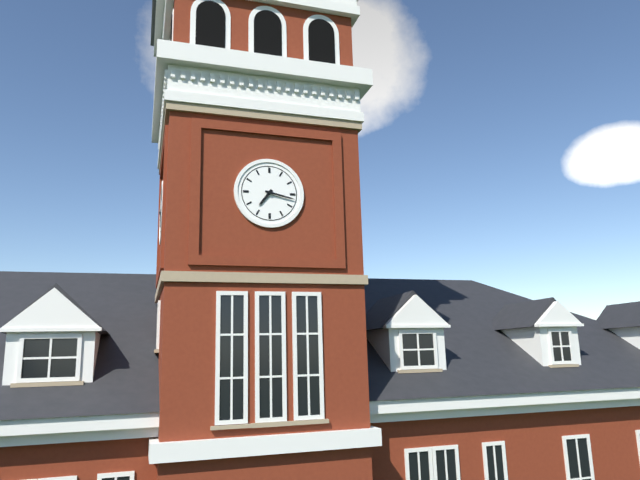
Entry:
7,17
